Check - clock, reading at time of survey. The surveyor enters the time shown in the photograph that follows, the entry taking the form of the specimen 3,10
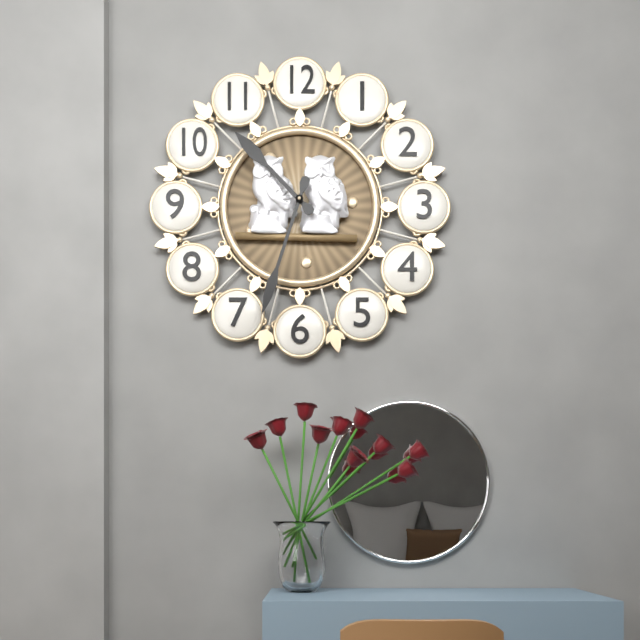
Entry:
10,33
